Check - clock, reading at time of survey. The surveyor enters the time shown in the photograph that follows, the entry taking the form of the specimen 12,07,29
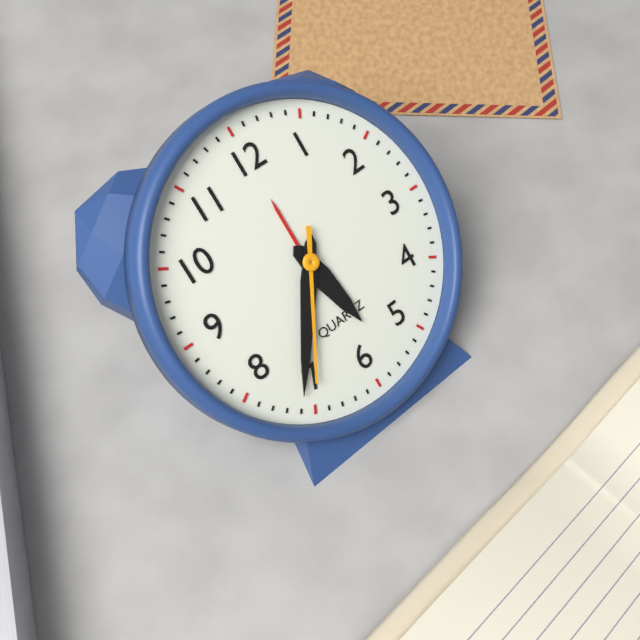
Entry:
5,36,35
